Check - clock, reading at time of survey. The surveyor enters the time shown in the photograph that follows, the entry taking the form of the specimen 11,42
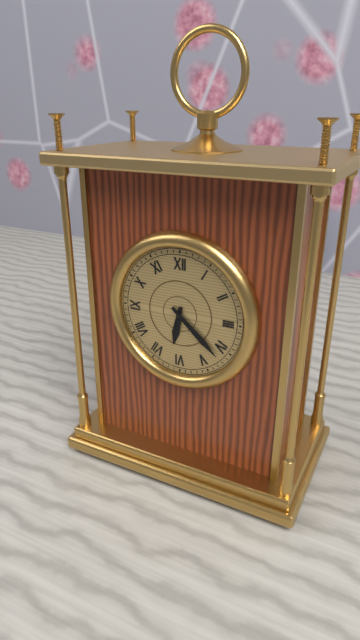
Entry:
6,22
